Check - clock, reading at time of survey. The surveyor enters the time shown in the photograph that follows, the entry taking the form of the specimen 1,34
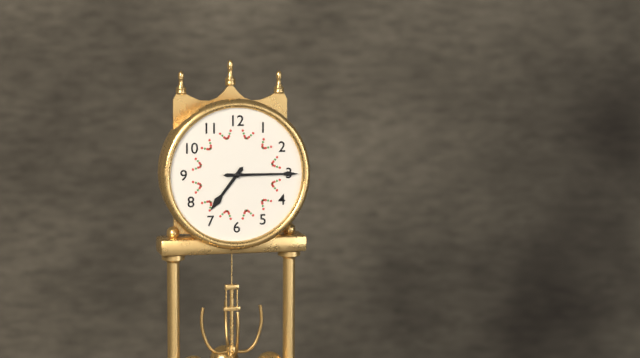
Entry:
7,15
